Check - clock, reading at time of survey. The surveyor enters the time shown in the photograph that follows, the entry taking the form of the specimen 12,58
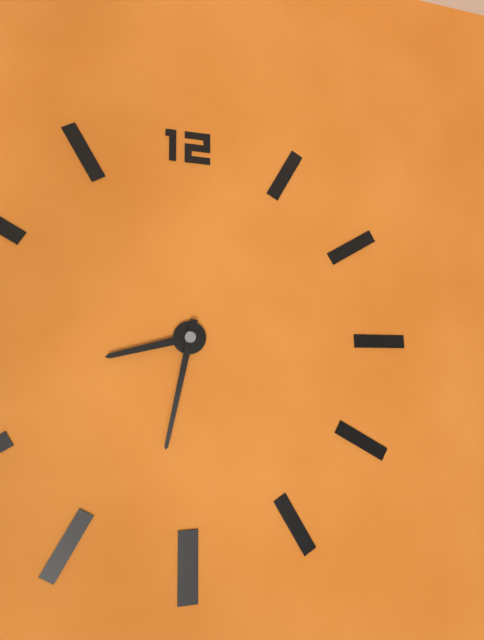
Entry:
8,32
